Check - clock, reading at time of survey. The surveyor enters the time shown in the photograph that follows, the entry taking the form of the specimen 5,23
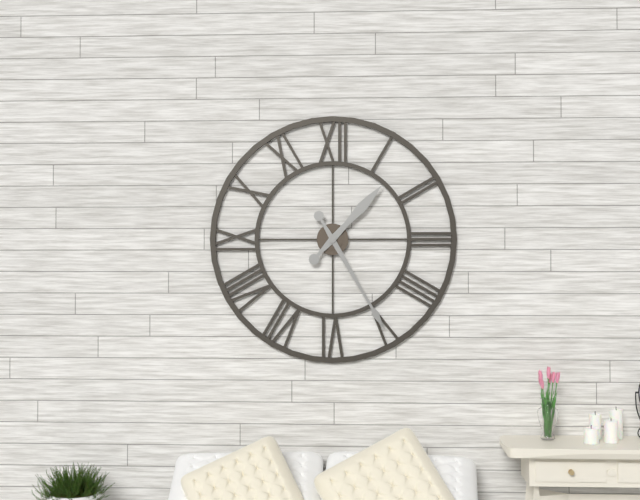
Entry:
1,25
